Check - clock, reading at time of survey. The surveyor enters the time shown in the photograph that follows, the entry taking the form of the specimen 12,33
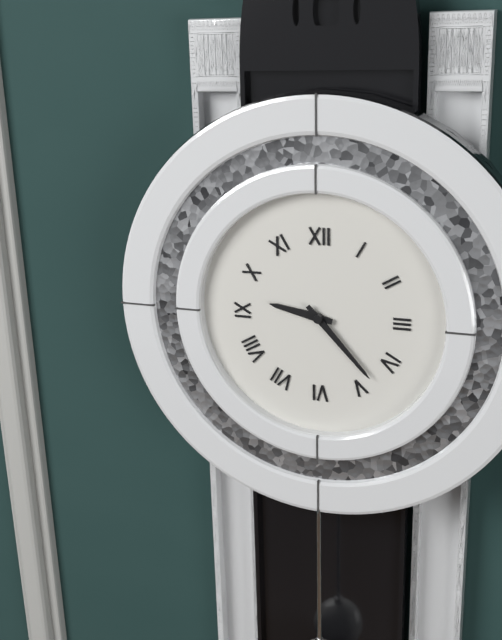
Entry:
9,23
